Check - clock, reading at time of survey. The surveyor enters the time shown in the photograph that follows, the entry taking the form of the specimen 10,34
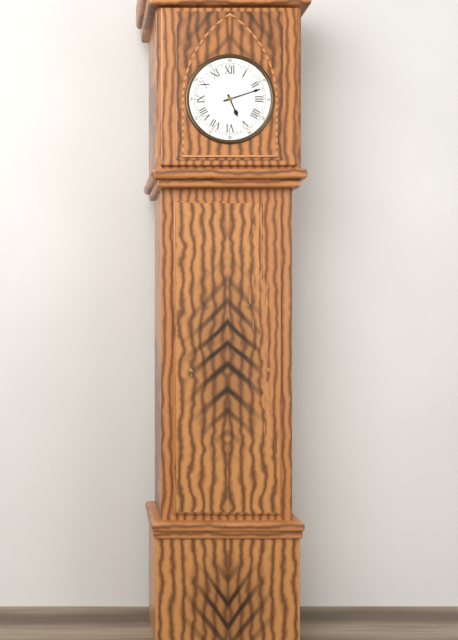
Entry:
5,12
